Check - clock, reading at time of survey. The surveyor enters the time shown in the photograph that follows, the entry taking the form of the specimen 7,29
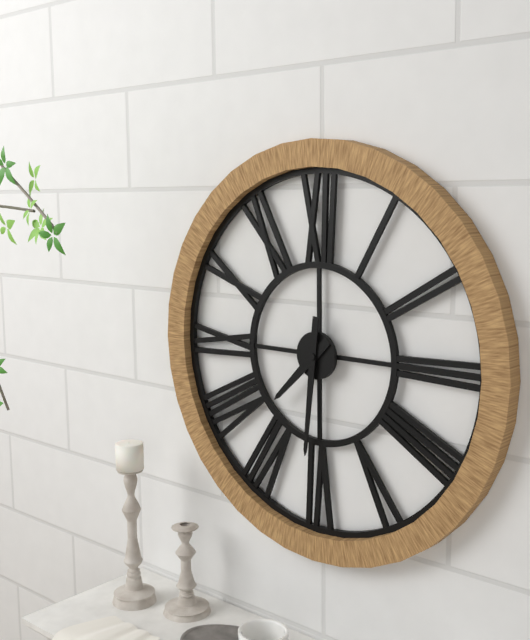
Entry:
7,31
